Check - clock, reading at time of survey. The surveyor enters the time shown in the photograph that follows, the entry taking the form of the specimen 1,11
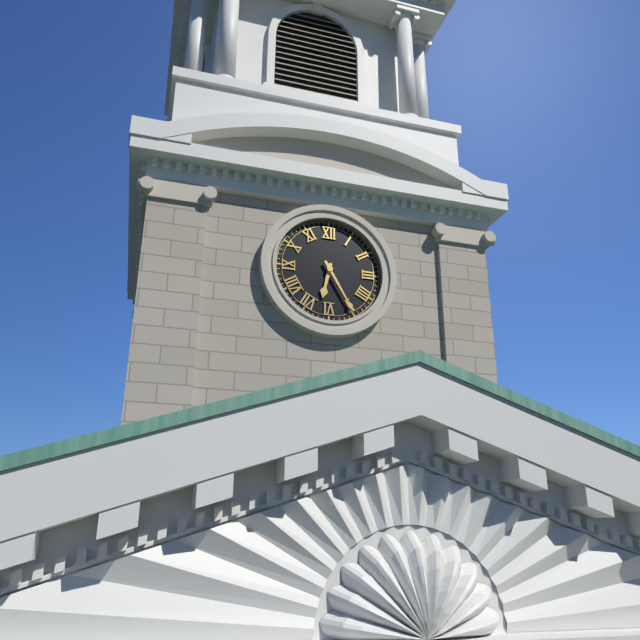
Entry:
6,25
